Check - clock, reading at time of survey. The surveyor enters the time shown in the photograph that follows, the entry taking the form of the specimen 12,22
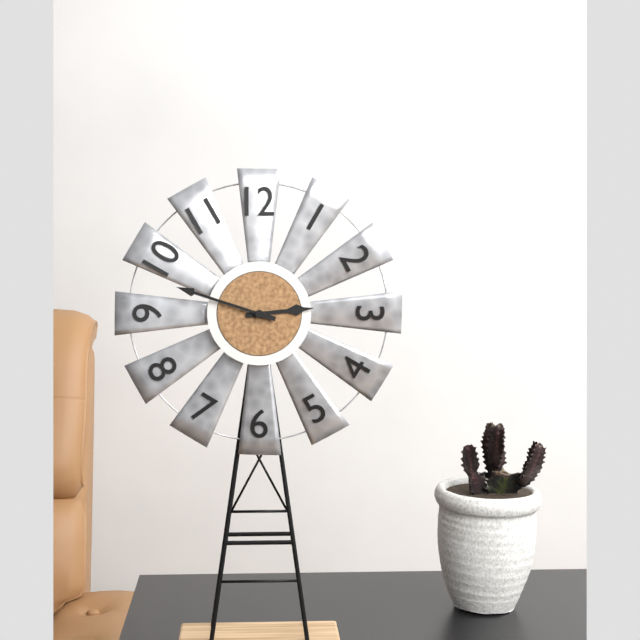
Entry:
2,48
